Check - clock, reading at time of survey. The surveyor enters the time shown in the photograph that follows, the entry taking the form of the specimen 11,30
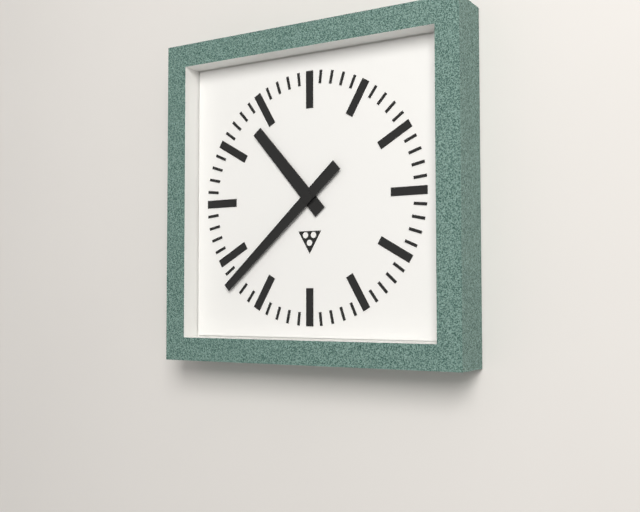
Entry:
10,38
